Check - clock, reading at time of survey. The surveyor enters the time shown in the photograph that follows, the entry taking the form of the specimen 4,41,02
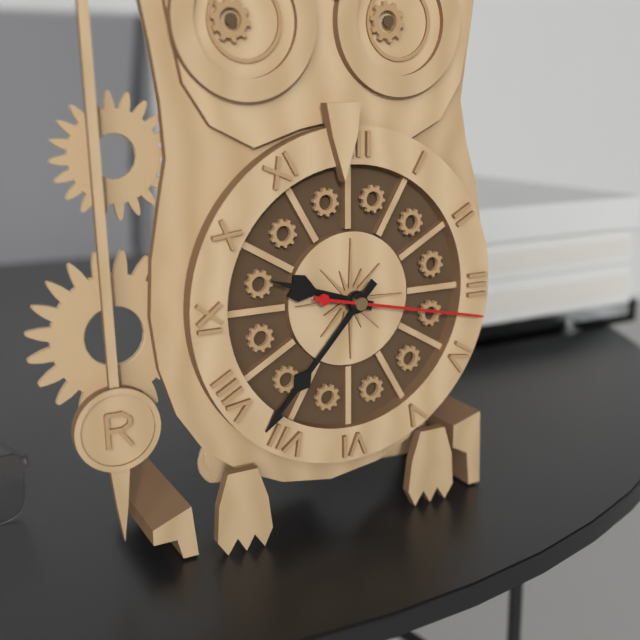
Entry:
9,37,17
